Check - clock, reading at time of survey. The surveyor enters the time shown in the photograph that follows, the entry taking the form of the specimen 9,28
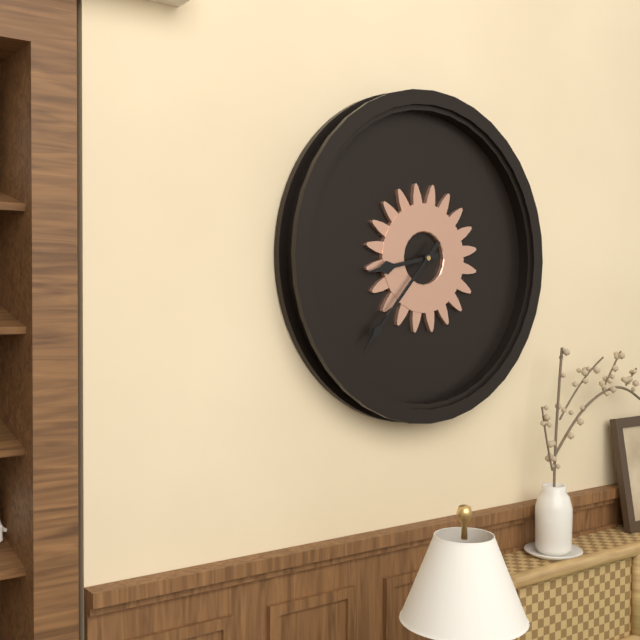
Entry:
8,37
